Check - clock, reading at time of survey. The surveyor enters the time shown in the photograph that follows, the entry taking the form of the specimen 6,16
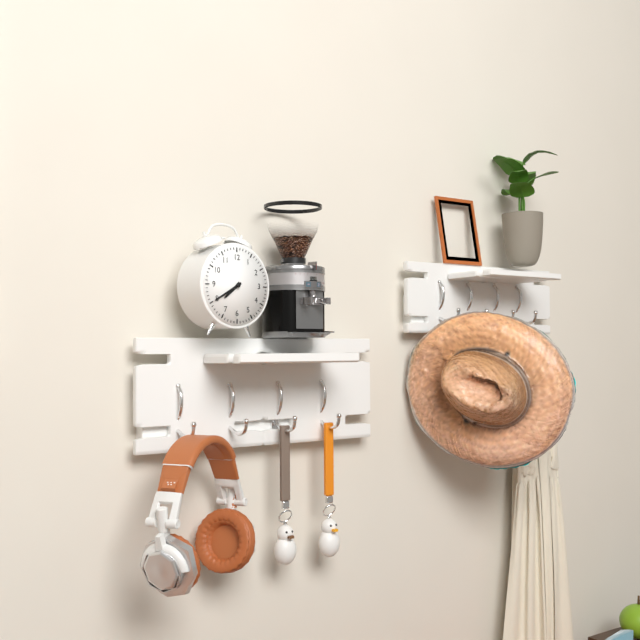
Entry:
7,40
